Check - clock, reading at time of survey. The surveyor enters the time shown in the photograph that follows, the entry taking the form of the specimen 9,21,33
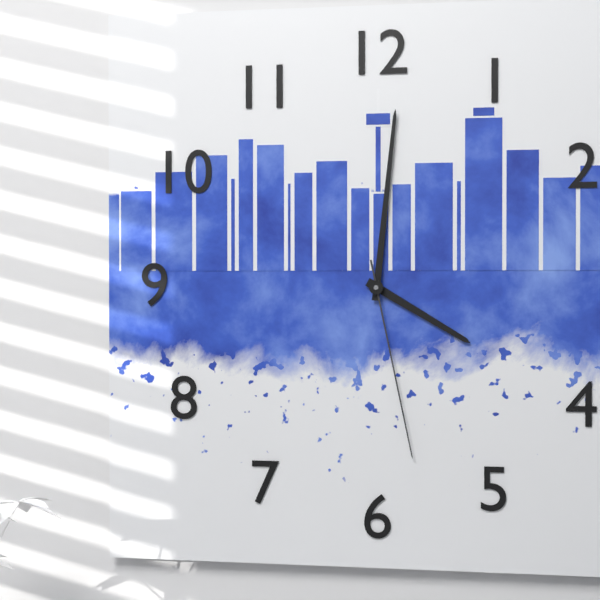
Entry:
4,01,28
